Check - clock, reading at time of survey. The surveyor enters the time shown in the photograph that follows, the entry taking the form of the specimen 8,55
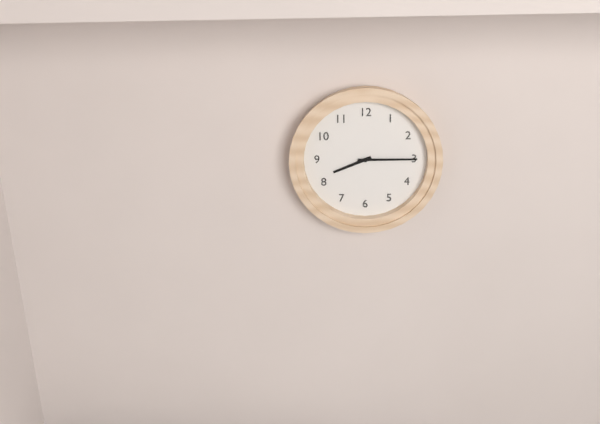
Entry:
8,15
